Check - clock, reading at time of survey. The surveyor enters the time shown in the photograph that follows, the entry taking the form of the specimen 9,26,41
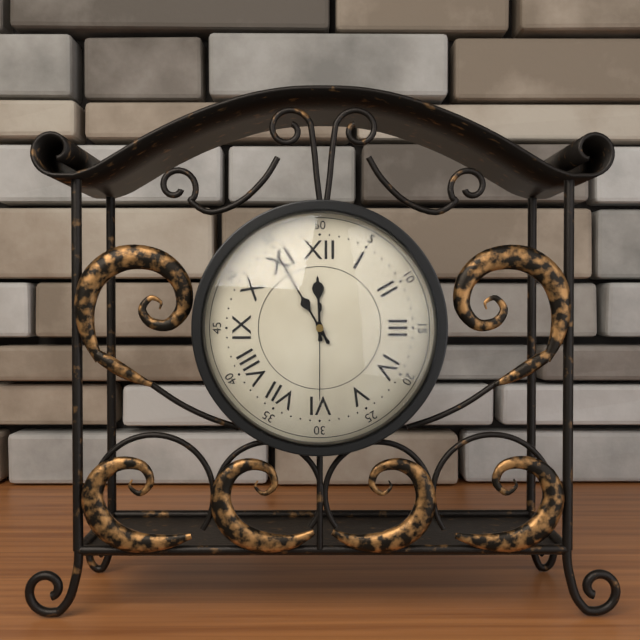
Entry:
11,55,30
